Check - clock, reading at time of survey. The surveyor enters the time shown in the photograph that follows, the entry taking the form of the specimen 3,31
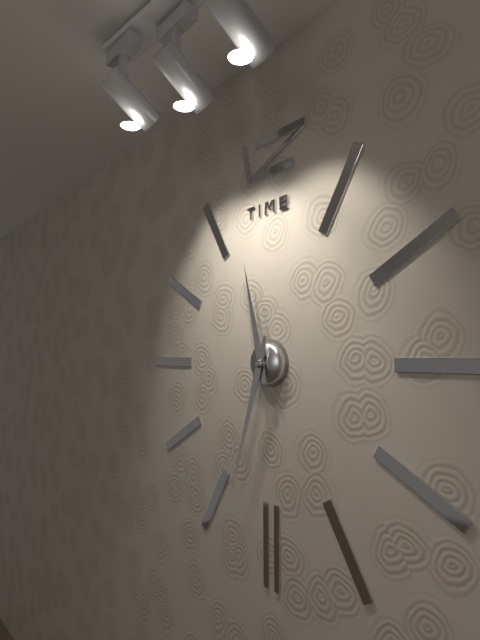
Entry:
11,33
